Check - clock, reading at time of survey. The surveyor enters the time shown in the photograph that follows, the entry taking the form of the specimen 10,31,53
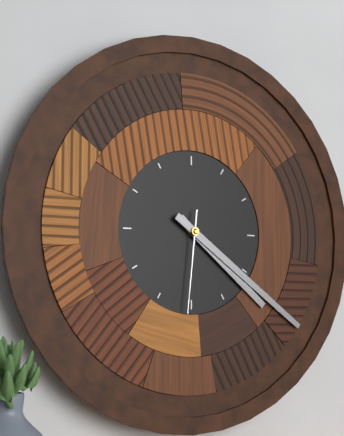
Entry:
4,21,31
